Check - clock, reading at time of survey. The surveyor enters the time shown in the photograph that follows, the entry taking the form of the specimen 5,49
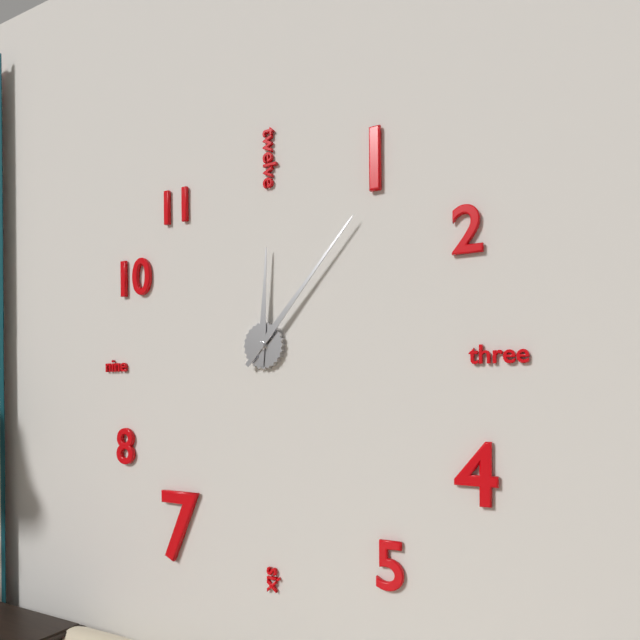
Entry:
12,07
